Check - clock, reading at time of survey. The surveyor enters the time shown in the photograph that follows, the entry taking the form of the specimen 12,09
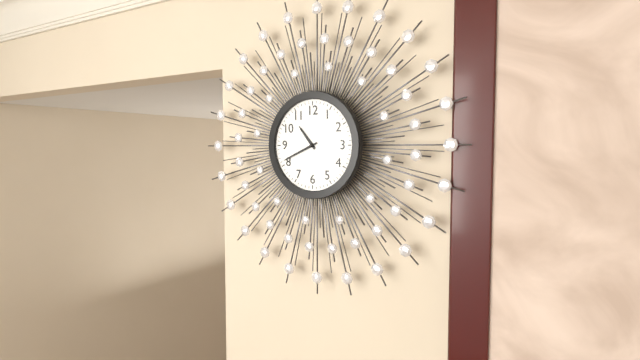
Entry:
10,41
